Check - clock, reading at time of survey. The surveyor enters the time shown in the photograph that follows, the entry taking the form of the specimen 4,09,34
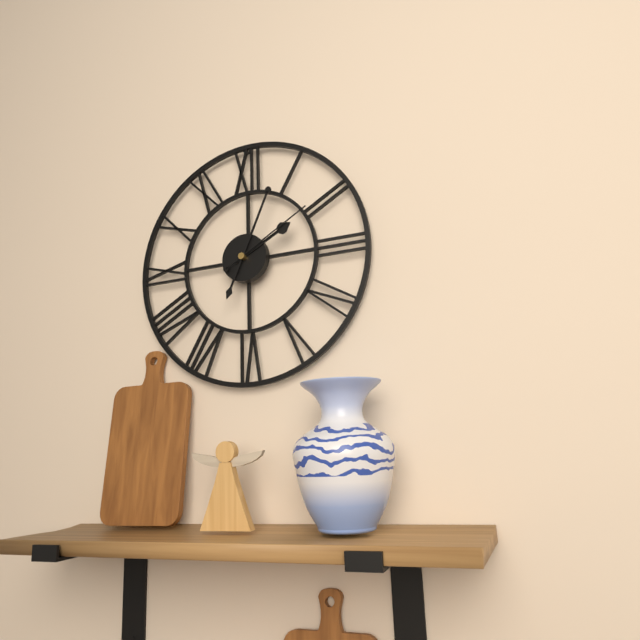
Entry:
2,04,10
